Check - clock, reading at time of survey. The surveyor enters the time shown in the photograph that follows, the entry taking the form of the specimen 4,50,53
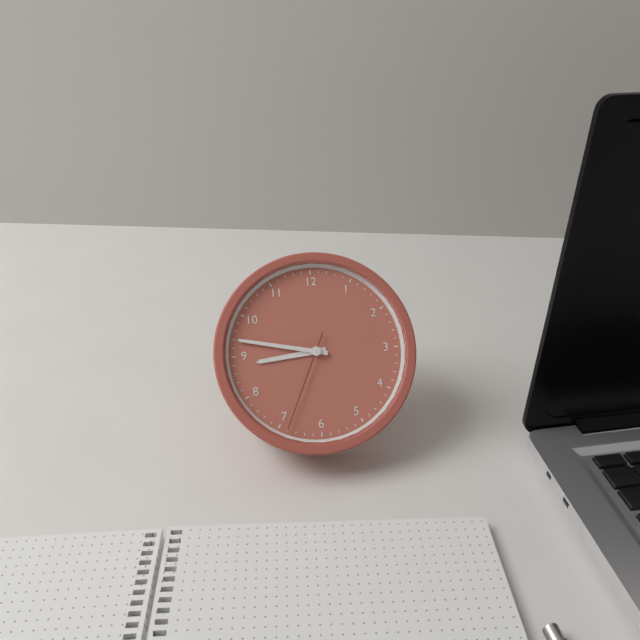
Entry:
8,47,34
